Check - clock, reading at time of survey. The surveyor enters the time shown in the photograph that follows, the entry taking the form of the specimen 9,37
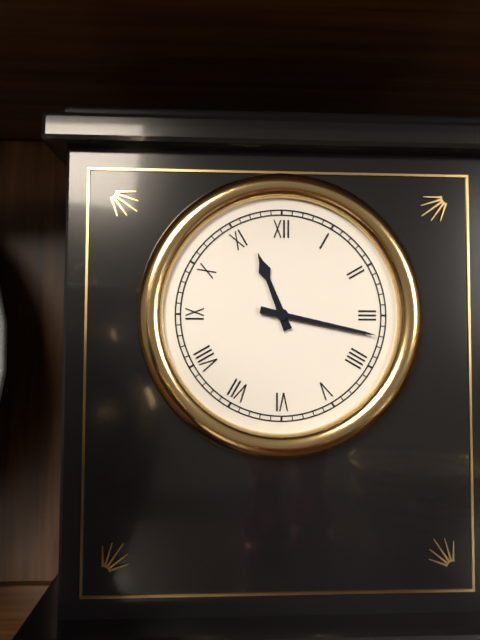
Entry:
11,17
